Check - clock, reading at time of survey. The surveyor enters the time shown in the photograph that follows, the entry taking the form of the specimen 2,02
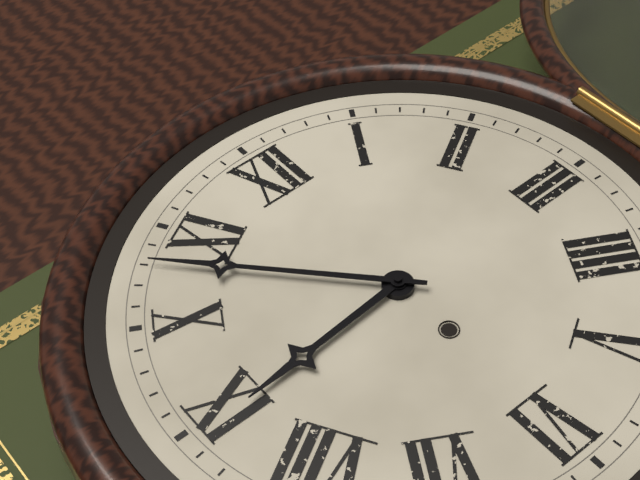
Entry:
8,53
